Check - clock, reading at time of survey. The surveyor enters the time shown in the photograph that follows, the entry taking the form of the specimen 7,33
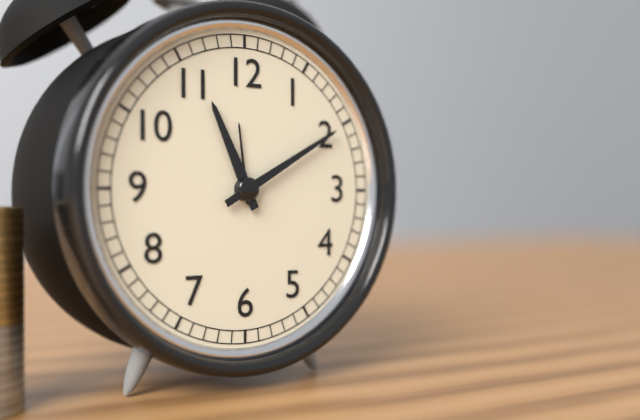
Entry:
11,10
